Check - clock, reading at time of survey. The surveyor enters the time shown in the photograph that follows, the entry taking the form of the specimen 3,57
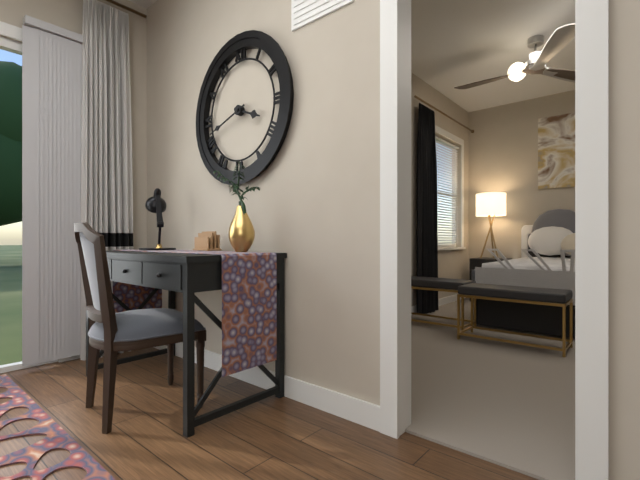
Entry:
3,42
